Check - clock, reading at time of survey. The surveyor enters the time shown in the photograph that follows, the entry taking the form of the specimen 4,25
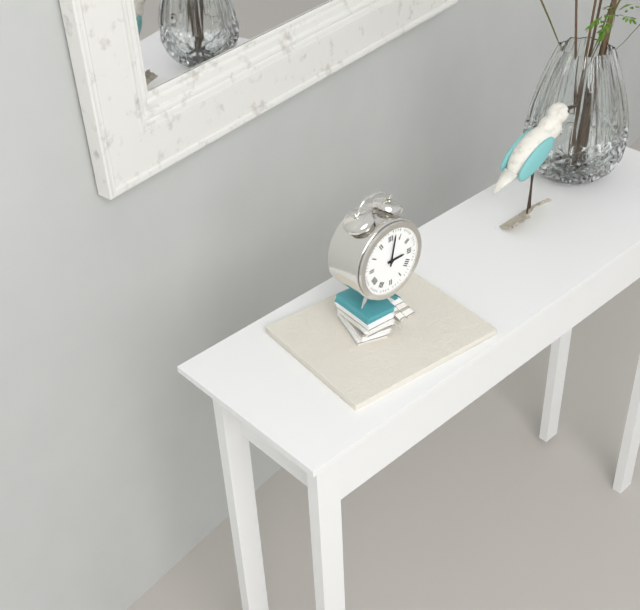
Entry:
3,02
